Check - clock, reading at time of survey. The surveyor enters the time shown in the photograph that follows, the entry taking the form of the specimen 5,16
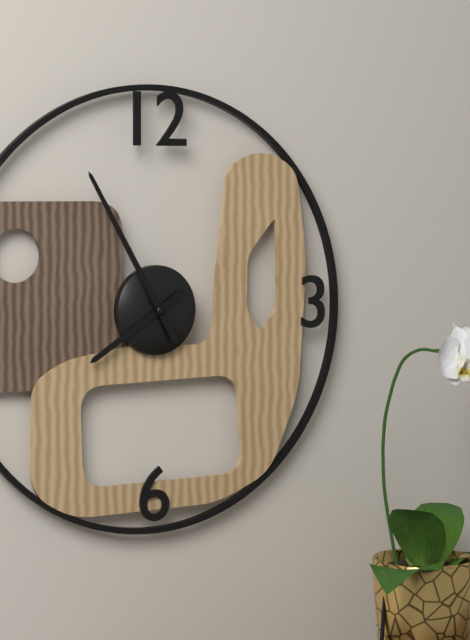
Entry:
7,55
